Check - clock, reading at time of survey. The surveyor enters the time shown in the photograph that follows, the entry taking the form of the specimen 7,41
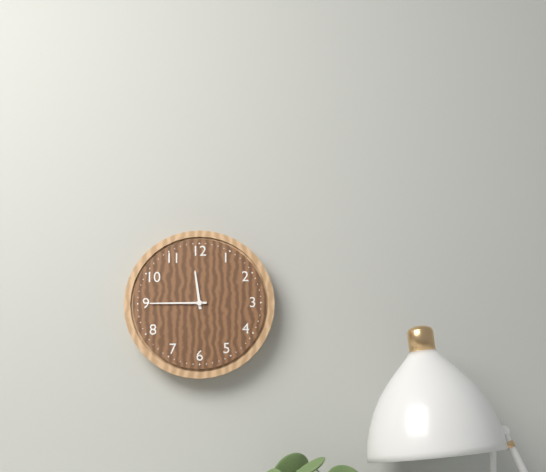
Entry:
11,45
